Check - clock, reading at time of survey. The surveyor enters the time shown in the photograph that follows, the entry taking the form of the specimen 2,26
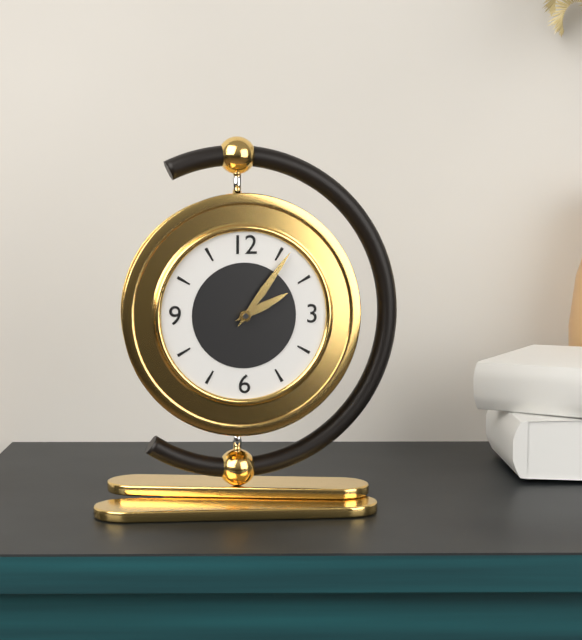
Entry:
2,06
